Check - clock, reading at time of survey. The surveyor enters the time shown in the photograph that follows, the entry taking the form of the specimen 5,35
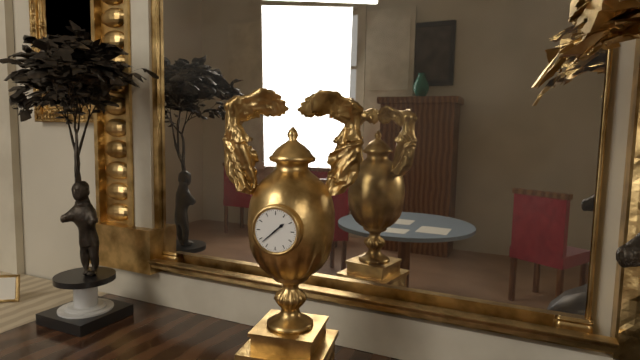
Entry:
1,38
